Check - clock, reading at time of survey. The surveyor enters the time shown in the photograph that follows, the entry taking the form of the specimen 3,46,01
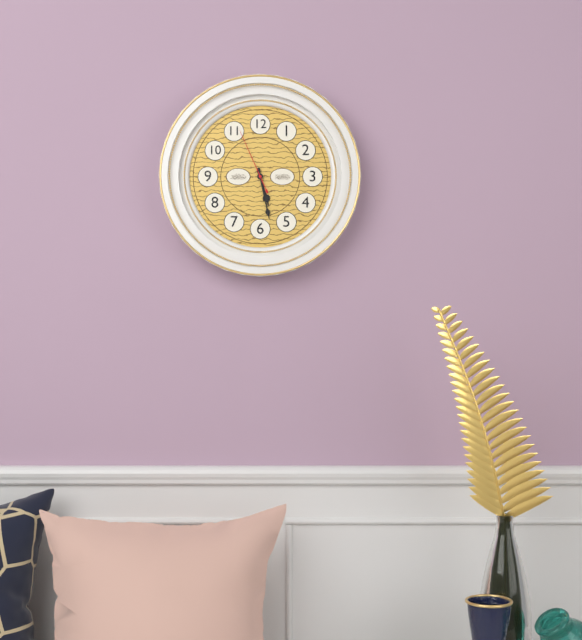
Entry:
5,28,56
